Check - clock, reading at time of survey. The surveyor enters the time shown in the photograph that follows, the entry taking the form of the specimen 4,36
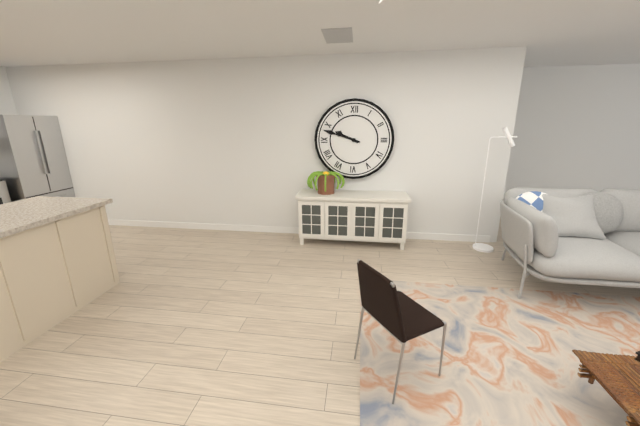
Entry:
9,48
